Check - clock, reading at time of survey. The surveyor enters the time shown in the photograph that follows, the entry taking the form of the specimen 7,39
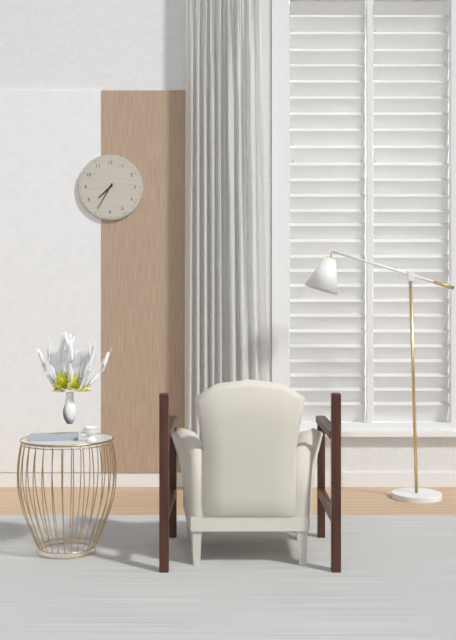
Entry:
7,35
